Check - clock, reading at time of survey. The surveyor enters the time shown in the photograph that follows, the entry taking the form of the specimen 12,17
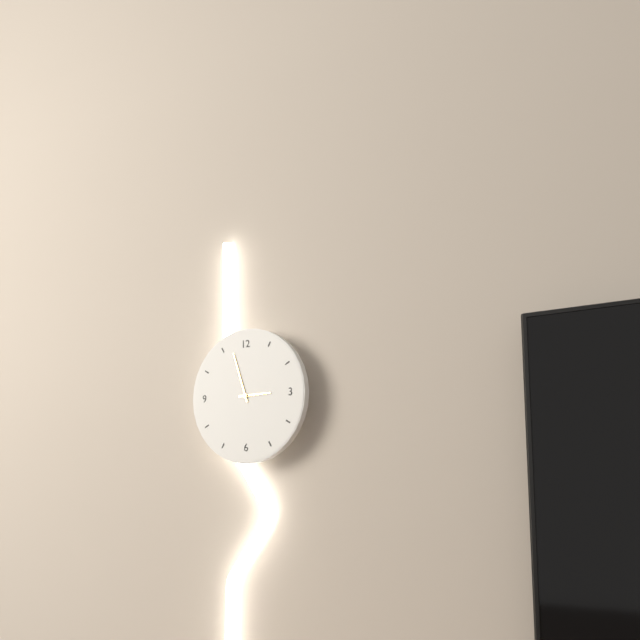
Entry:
2,57
